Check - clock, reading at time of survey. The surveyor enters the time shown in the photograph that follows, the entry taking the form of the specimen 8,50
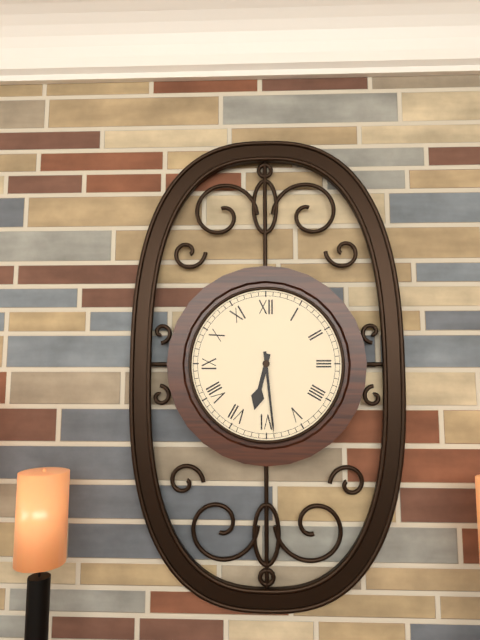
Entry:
6,29
